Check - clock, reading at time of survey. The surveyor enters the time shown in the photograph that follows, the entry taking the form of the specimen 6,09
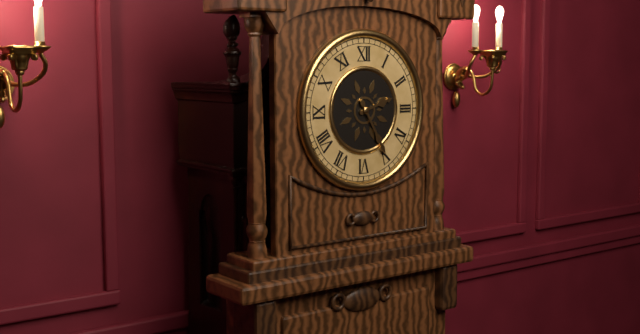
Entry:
2,25
